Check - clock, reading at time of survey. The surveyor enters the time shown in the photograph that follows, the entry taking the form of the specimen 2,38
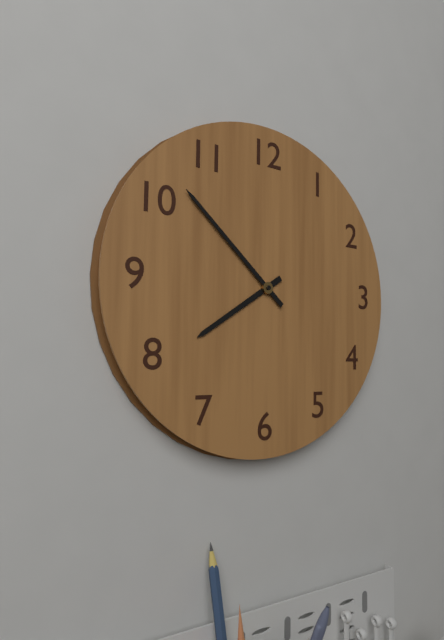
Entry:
7,52
